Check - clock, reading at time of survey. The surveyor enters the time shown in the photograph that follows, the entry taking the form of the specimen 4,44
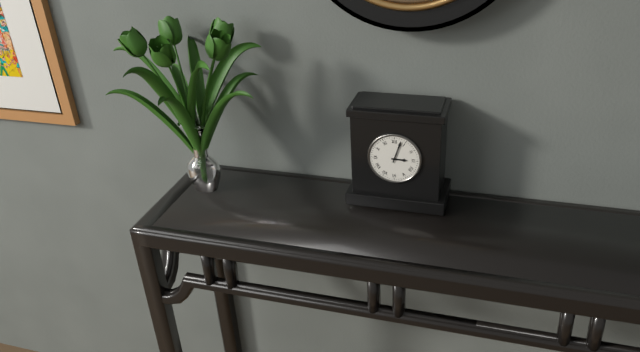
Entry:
3,03
